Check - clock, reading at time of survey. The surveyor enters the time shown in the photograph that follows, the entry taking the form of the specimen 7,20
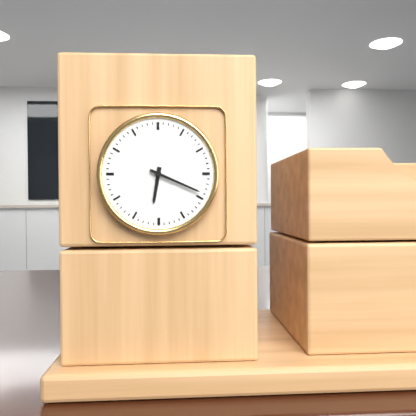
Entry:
6,19
